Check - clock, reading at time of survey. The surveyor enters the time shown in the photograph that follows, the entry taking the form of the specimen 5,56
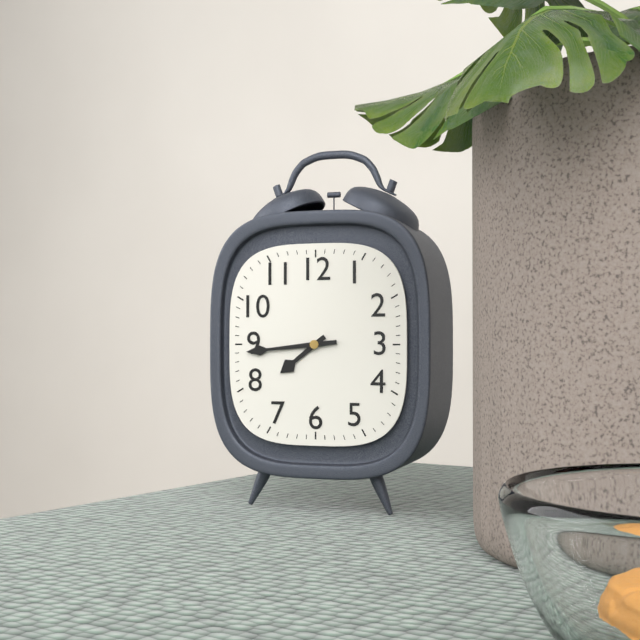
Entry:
7,44
